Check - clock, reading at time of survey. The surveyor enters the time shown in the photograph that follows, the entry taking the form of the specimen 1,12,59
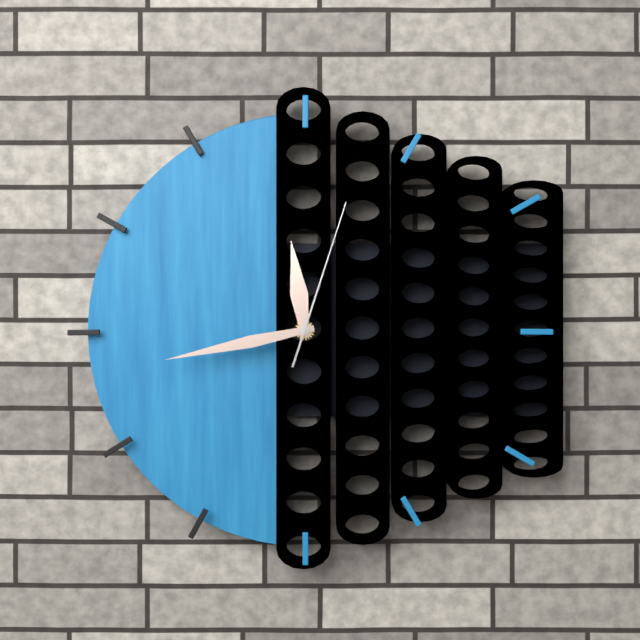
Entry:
11,43,03
